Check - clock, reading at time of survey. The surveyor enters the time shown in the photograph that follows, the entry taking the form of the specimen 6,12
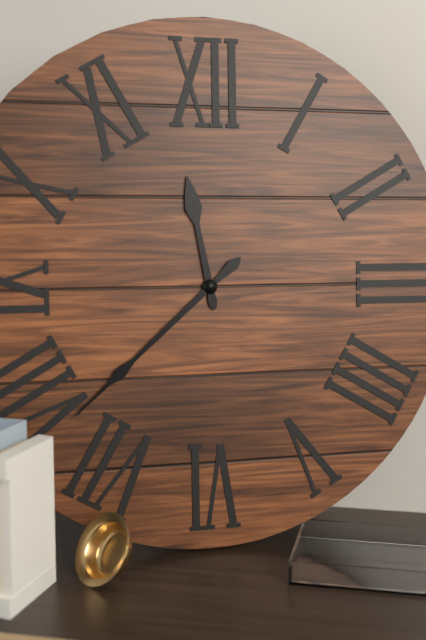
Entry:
11,38
